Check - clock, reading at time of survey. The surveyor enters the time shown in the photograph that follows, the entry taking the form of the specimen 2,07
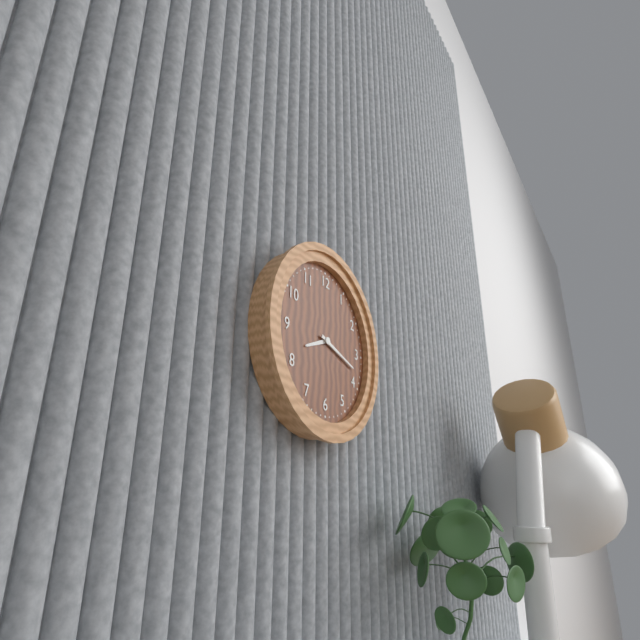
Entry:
8,18
